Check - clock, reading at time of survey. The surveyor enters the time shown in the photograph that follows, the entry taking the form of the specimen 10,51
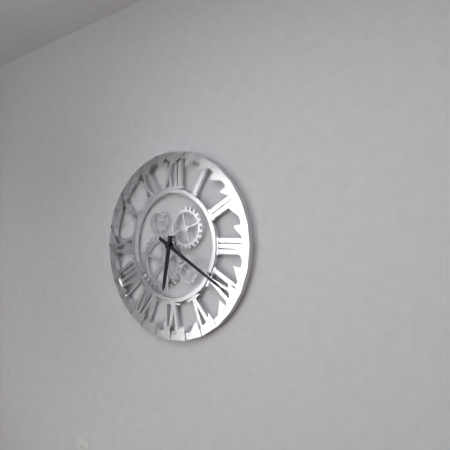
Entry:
6,20
